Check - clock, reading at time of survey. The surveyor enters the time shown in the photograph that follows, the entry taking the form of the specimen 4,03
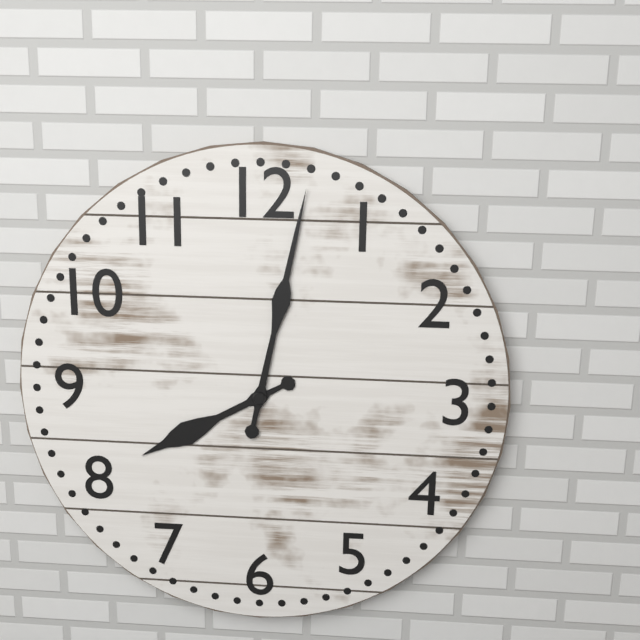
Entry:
8,02
